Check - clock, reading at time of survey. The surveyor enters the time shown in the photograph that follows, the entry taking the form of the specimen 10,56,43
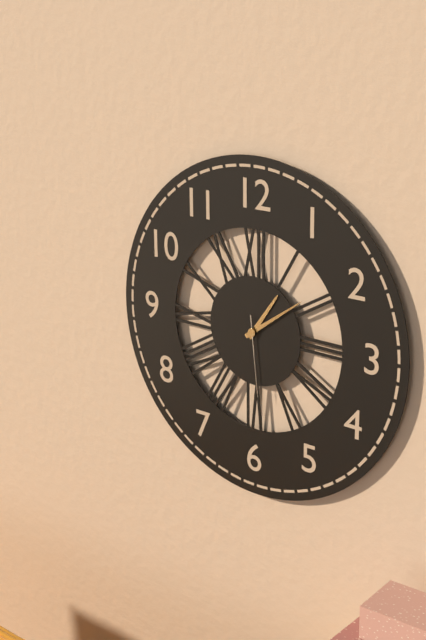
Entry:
1,09,29
